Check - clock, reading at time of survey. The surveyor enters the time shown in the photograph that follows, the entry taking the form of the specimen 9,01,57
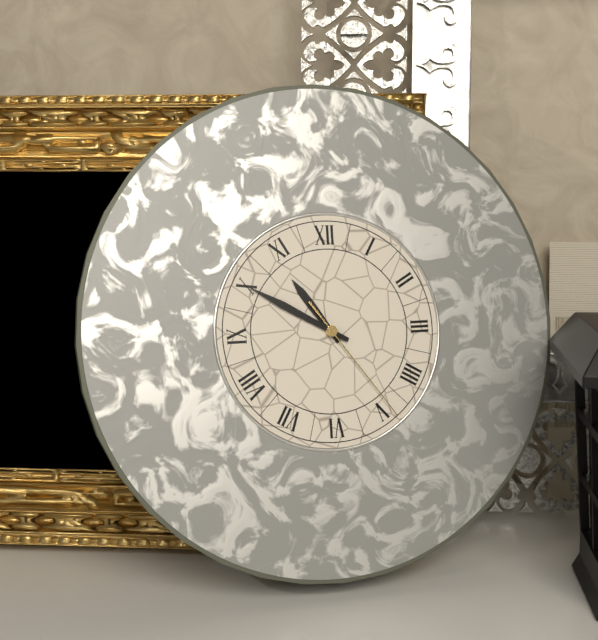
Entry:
10,50,24
